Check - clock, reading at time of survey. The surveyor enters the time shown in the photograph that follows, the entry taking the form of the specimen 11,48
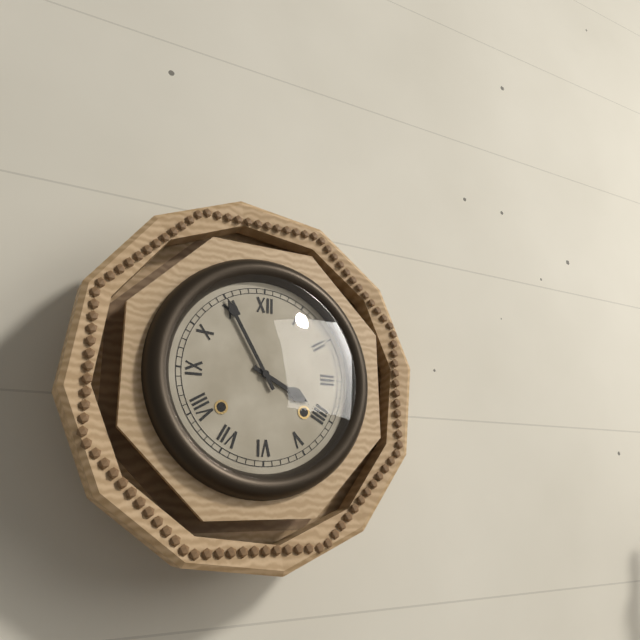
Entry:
3,55
